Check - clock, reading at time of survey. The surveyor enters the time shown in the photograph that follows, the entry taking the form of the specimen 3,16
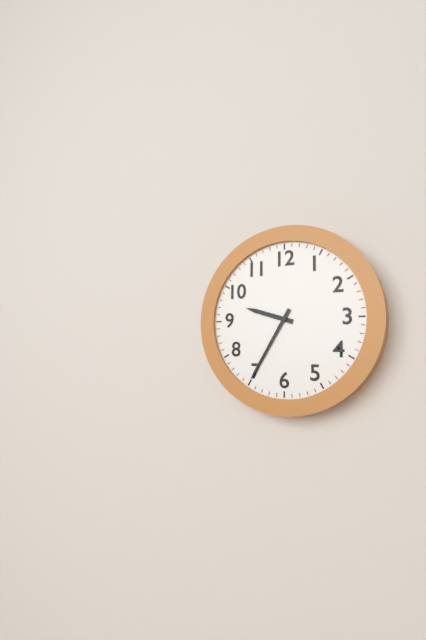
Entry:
9,35
